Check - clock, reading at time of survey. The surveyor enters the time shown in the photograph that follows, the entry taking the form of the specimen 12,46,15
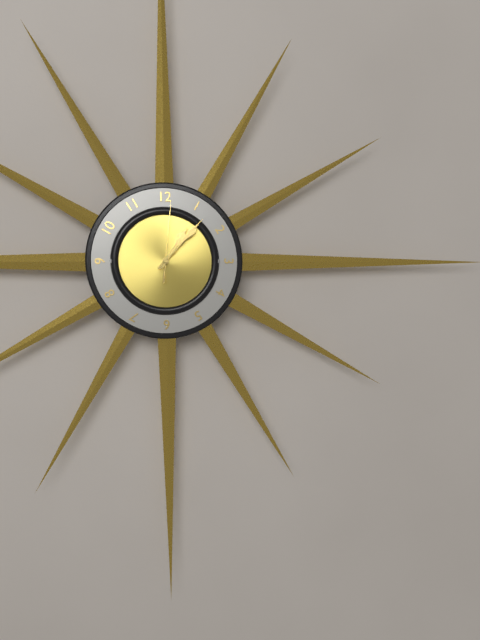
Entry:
1,07,01
